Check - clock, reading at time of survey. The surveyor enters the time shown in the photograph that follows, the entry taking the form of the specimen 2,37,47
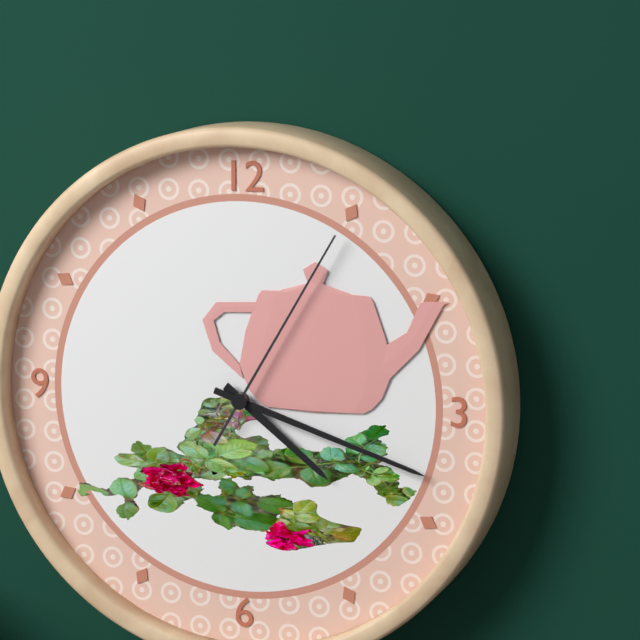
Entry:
4,18,05
